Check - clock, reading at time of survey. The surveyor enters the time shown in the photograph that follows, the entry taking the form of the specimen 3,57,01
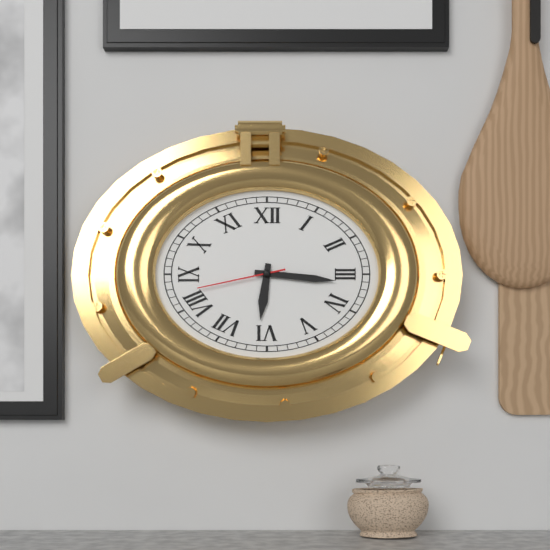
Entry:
6,16,43
